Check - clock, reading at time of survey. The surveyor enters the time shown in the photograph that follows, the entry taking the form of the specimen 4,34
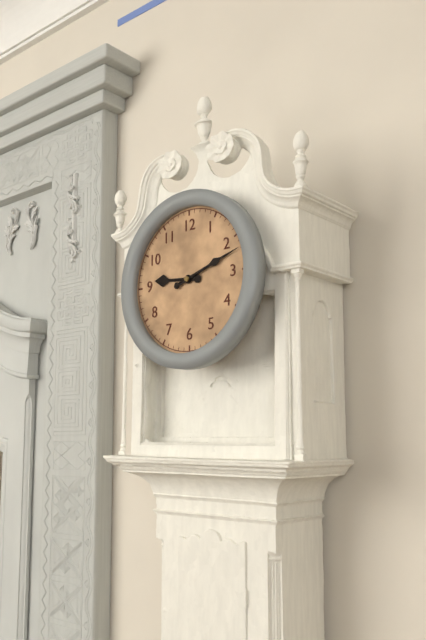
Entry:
9,12
